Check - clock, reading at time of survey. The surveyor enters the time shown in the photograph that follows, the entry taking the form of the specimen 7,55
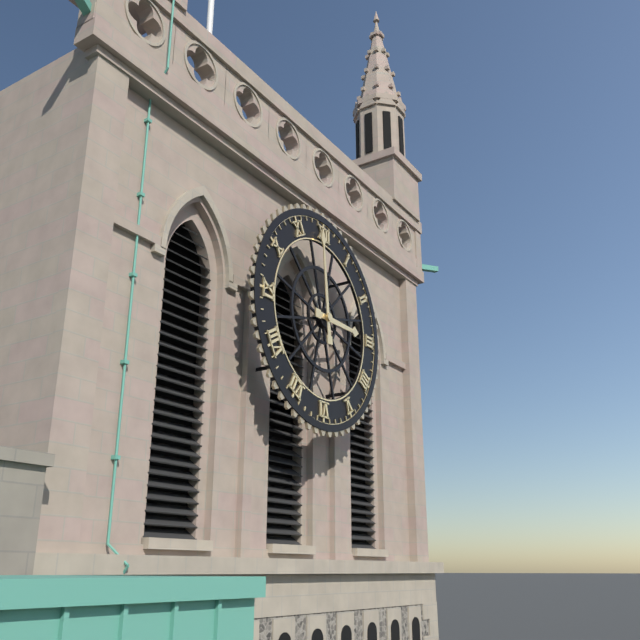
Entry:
2,59
